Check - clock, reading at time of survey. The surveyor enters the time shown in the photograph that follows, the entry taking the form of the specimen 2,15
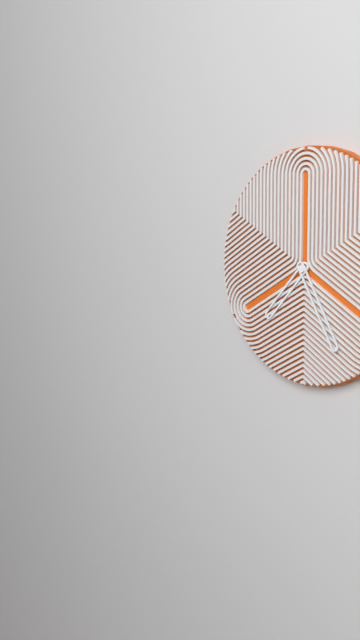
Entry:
7,25
